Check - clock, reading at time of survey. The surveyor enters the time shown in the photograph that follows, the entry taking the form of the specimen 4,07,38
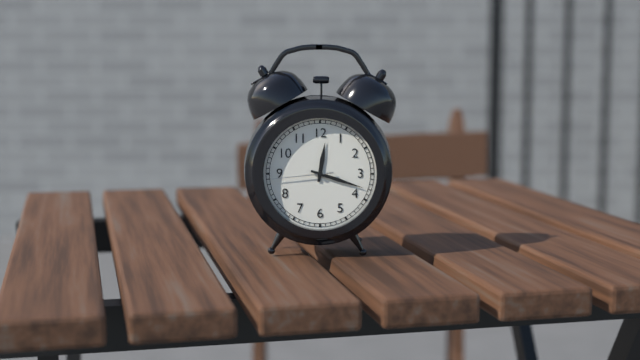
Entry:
12,18,44
